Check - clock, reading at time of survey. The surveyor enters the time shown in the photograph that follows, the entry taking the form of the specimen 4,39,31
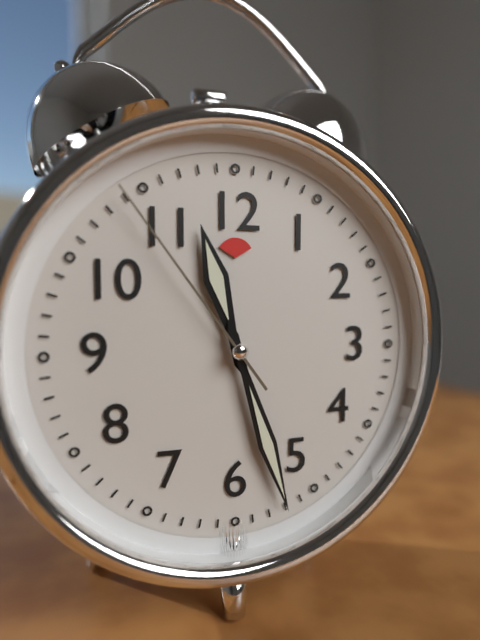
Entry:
11,27,54
